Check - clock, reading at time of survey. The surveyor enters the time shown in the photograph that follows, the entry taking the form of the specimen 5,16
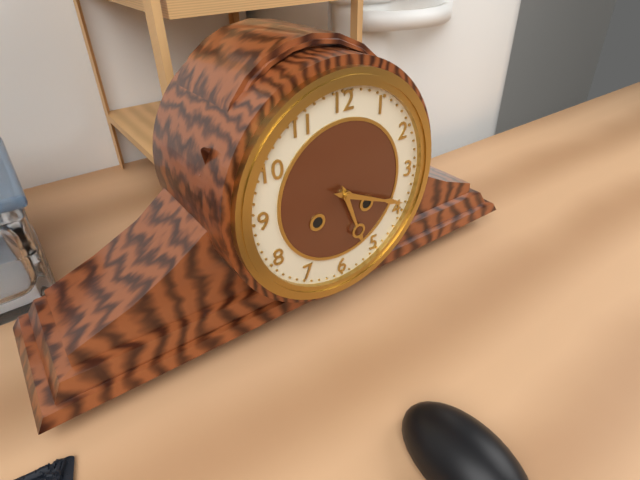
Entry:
5,19
